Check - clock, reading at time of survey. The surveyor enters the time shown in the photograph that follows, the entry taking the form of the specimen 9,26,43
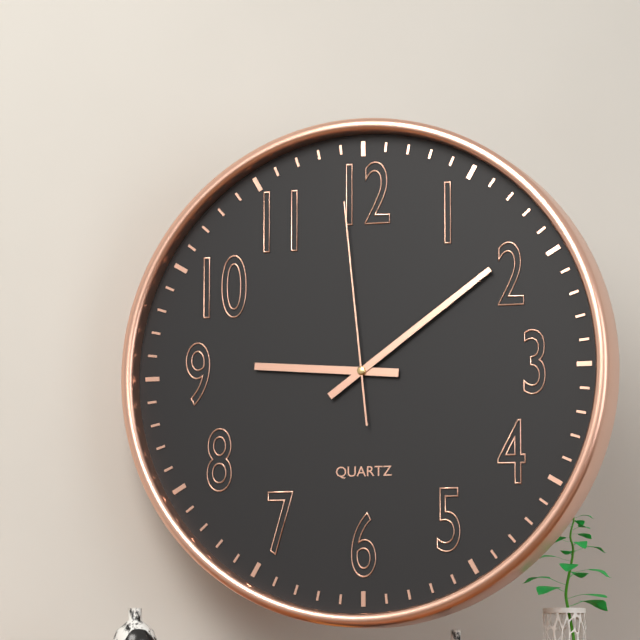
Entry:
9,09,59
